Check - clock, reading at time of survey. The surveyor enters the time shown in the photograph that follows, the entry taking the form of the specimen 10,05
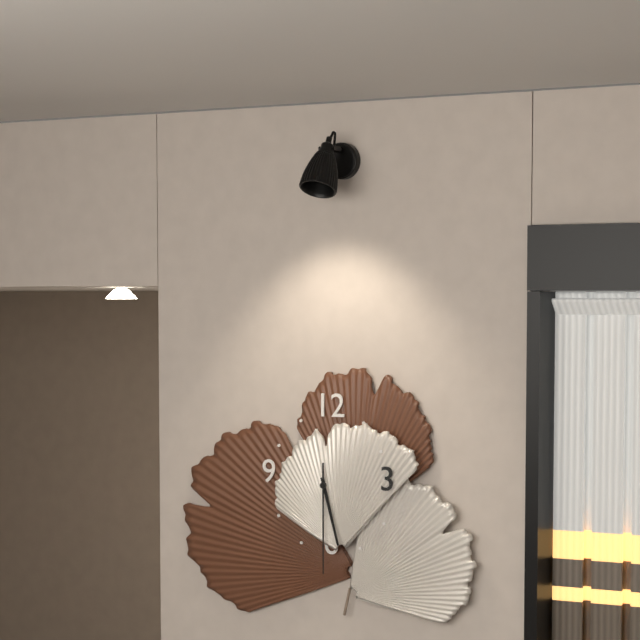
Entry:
5,30
